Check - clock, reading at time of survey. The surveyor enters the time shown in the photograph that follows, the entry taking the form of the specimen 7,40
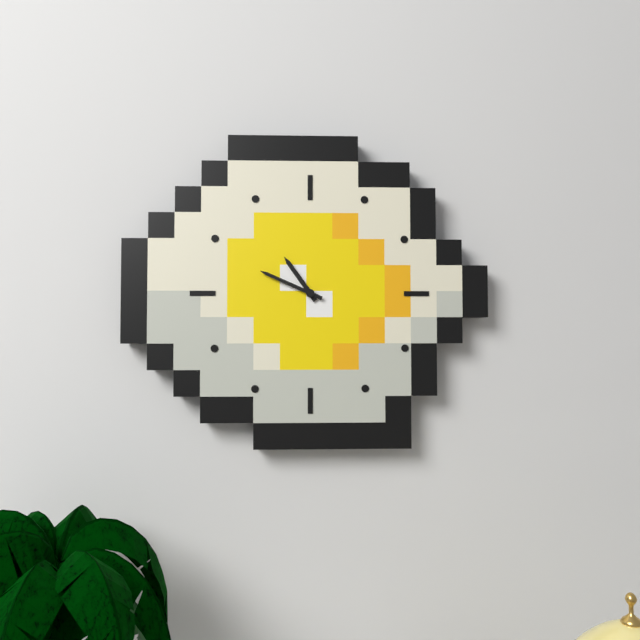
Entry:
10,49
